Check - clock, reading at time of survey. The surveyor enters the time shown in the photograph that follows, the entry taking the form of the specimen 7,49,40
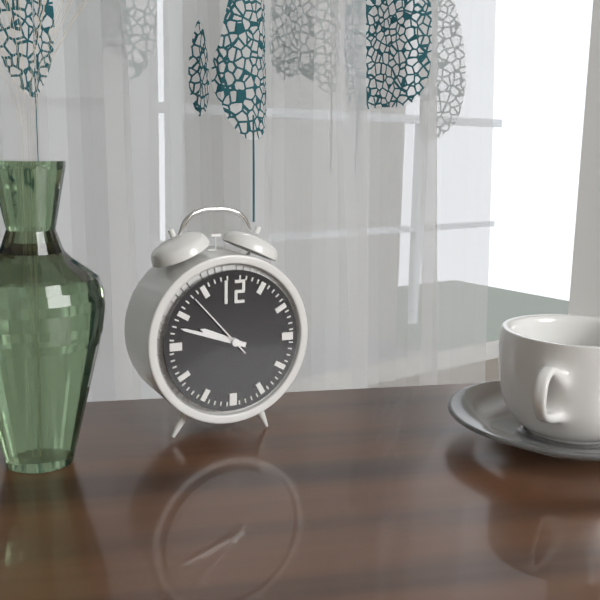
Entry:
9,48,53
